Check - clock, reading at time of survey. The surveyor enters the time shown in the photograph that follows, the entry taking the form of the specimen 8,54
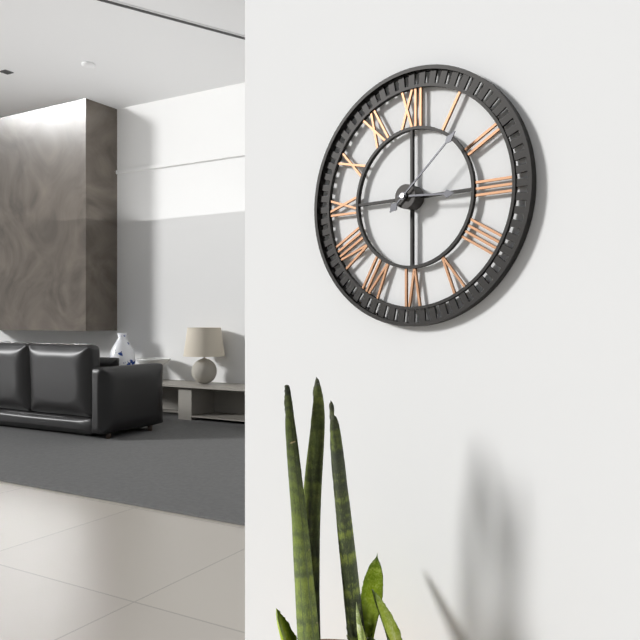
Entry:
3,08
